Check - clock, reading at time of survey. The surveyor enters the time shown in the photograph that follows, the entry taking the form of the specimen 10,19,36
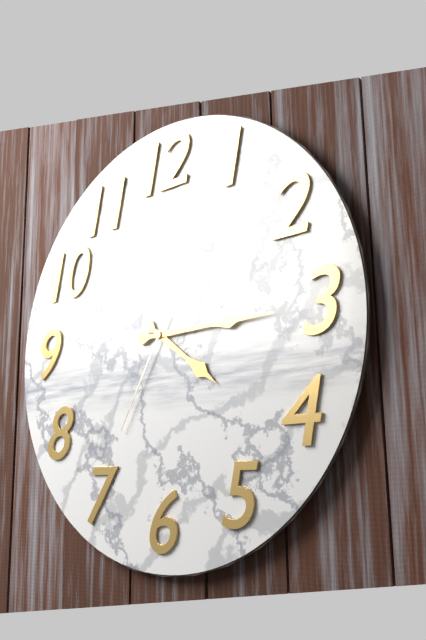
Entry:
4,15,35
